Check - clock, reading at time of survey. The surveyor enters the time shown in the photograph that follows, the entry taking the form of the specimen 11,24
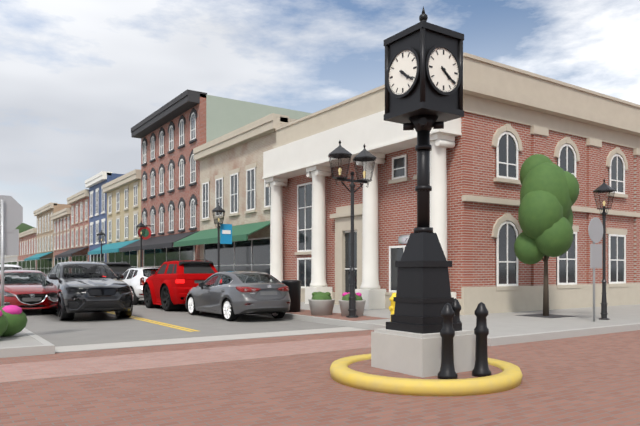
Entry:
4,21
